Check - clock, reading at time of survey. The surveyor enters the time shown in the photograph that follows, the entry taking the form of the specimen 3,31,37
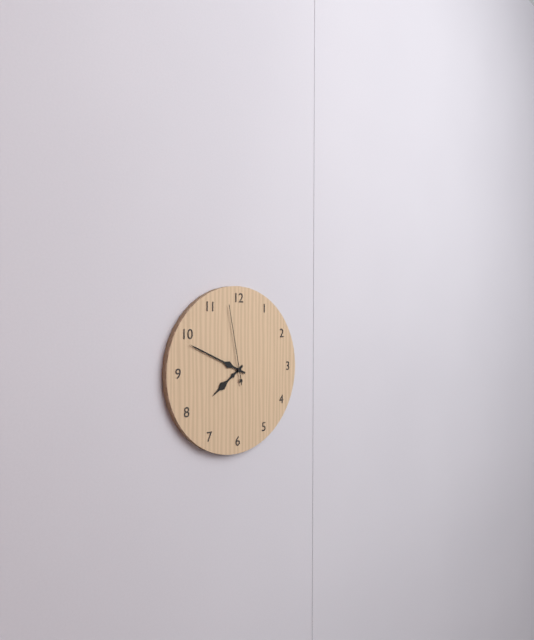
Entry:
7,49,58
